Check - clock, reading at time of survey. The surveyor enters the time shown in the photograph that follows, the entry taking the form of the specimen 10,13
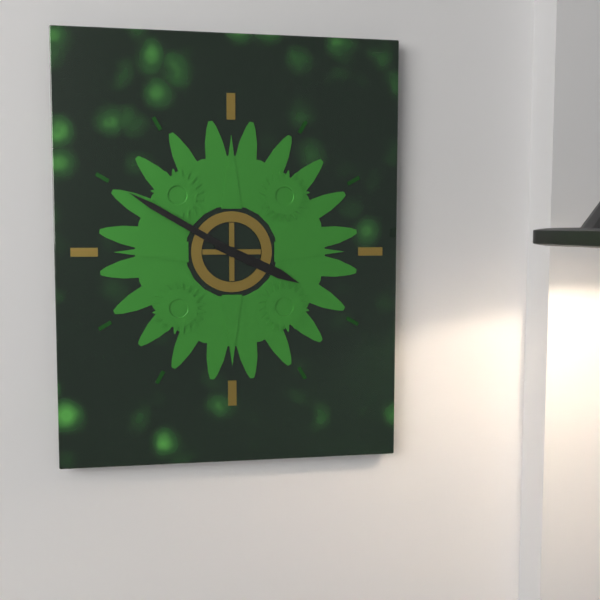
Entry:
3,50
